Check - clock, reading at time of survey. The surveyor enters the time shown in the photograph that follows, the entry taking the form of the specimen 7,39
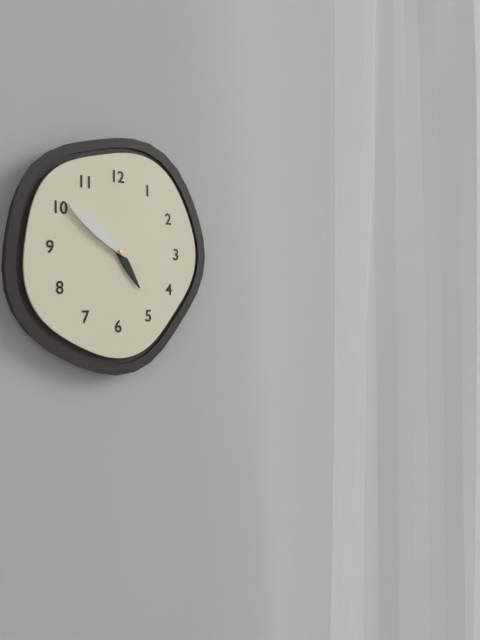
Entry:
4,51
